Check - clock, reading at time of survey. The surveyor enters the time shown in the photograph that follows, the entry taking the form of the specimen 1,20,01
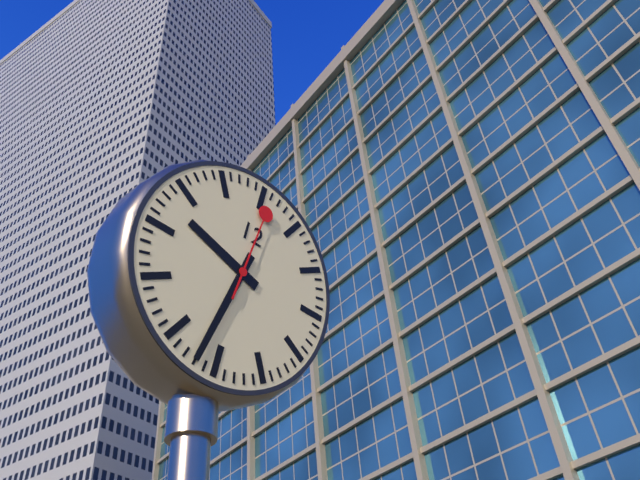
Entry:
9,32,01
